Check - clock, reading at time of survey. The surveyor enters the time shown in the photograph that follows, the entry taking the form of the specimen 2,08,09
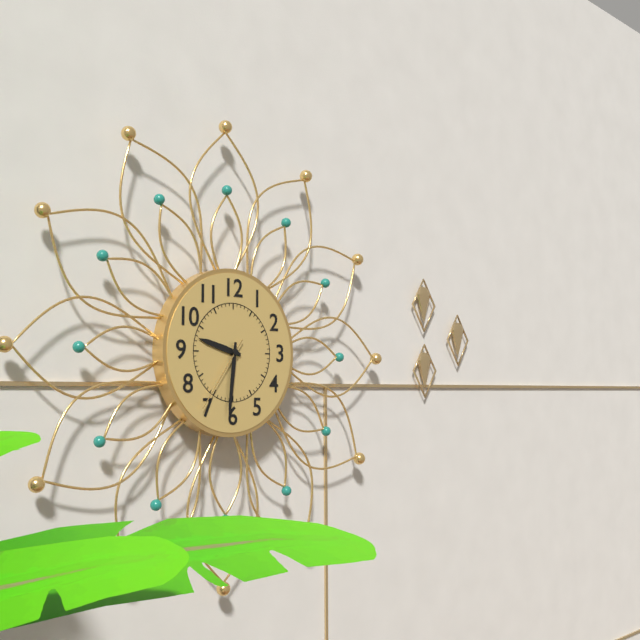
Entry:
9,31,36
